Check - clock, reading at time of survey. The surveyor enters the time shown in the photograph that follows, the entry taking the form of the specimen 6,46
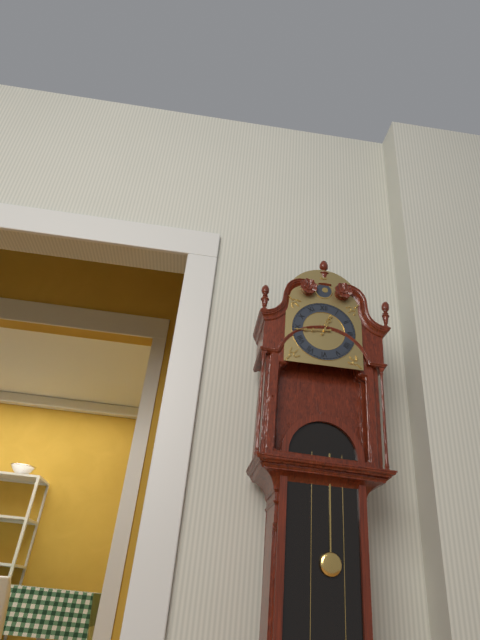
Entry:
12,44
